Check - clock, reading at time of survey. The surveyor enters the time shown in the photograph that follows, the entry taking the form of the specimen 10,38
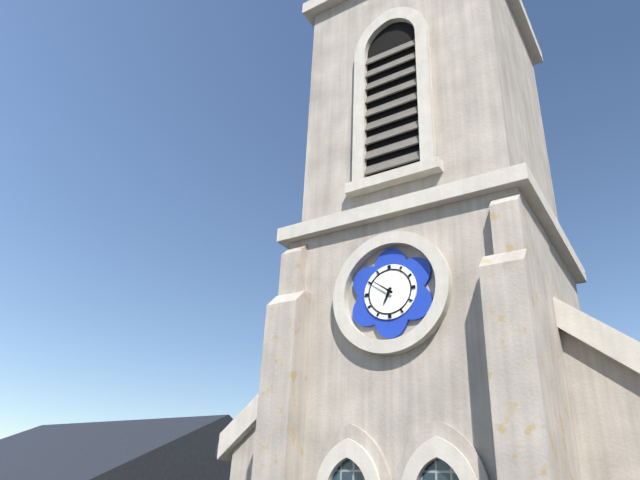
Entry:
6,51
